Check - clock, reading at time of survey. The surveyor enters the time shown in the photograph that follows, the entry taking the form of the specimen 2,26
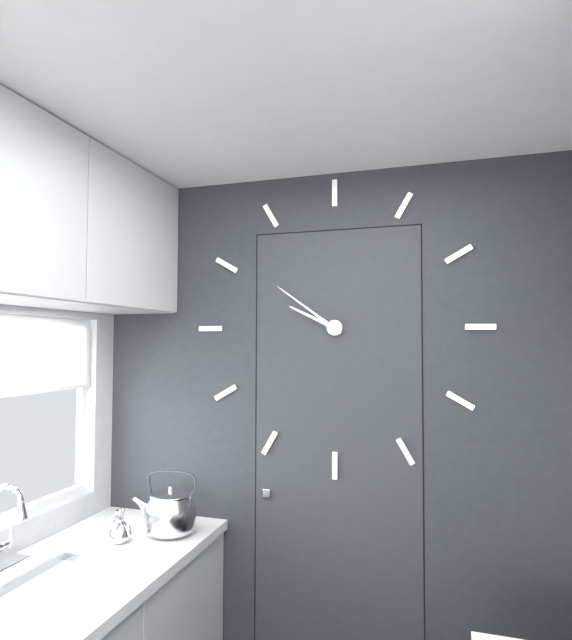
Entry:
9,51
